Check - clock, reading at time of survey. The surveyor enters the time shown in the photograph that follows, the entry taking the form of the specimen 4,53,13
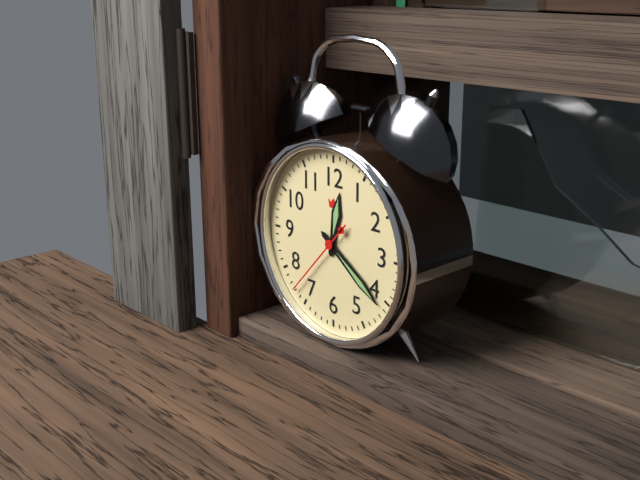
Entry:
12,21,37
